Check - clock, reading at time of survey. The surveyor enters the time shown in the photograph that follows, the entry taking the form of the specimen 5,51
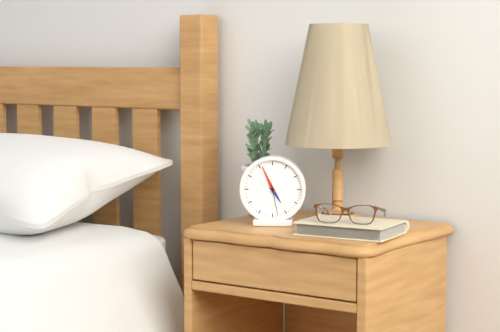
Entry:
4,56
